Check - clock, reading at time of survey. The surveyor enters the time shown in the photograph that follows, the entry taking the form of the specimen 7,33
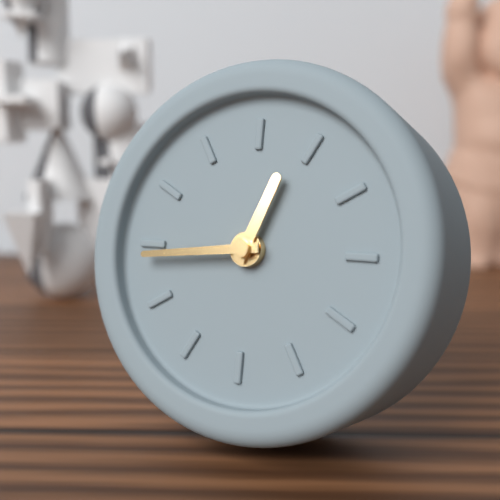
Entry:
12,44
